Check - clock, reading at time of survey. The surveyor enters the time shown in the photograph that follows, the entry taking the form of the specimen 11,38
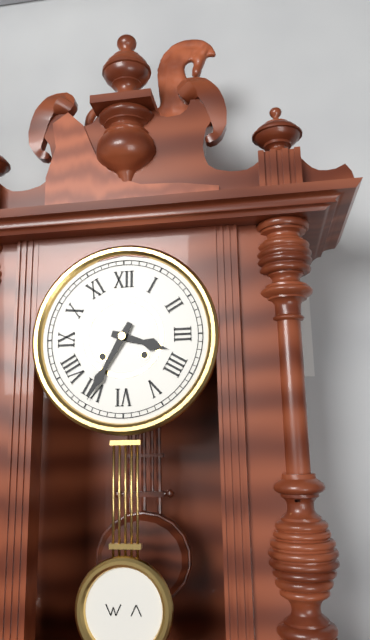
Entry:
3,35
